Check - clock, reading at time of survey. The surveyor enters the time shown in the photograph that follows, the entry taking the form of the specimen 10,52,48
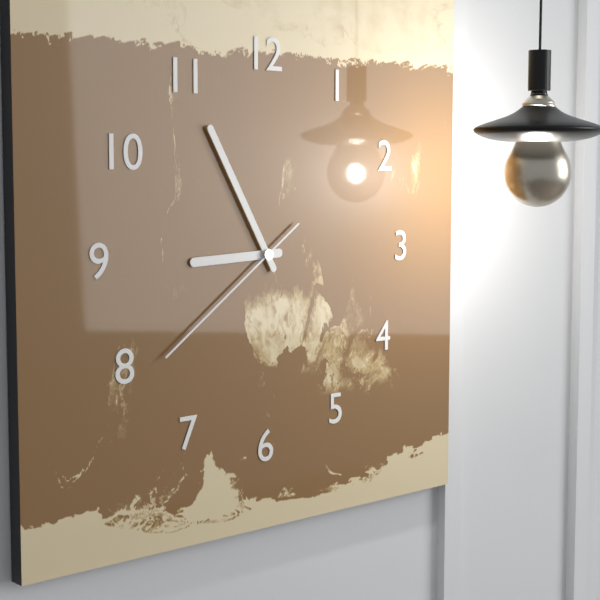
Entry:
8,55,39
